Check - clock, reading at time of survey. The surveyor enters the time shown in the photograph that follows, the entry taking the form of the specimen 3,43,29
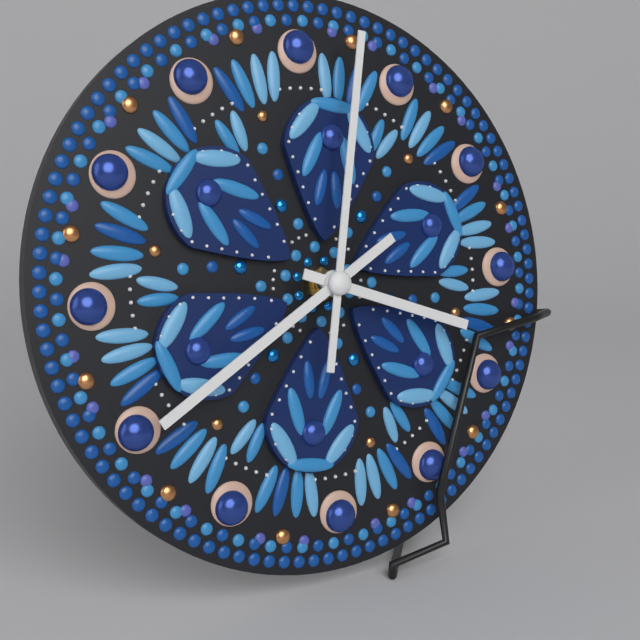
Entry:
3,40,02
